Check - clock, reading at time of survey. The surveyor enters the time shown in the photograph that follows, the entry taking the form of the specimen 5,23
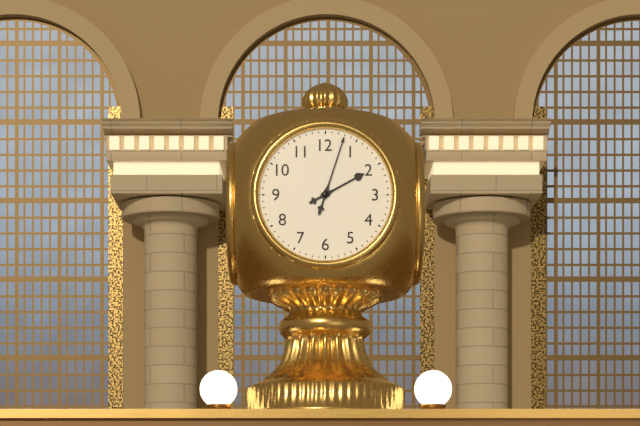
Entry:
2,03
